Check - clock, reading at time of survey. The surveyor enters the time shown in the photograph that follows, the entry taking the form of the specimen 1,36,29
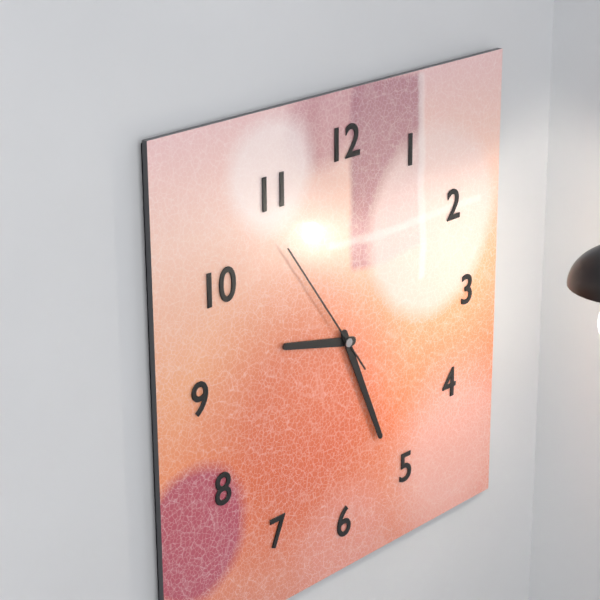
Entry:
9,26,54
